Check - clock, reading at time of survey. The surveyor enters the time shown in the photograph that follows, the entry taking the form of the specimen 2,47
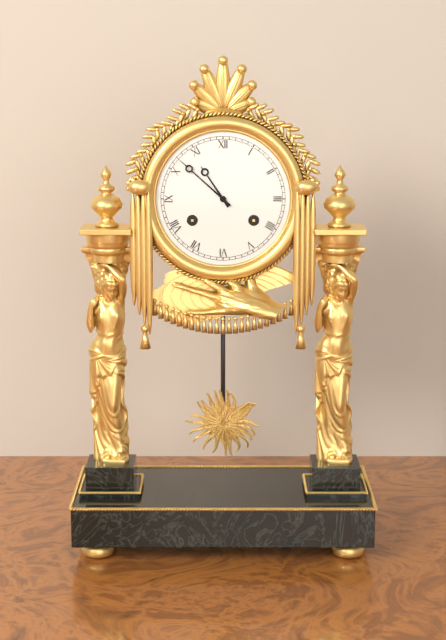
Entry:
10,52
